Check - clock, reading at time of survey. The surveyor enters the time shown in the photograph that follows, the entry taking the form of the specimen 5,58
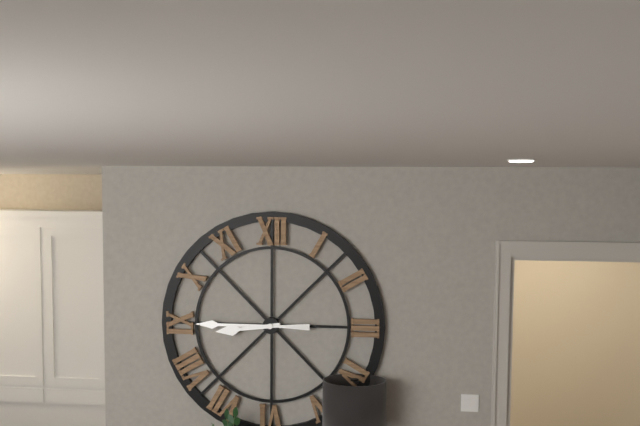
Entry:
8,45
